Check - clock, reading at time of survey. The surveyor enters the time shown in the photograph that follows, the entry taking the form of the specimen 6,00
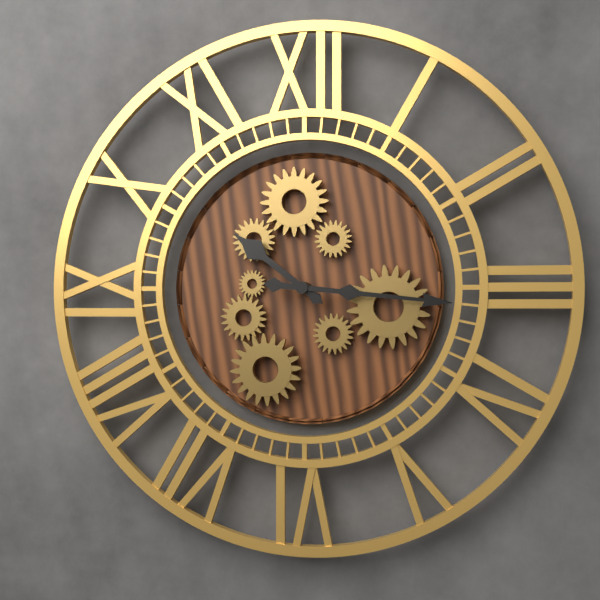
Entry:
10,16
